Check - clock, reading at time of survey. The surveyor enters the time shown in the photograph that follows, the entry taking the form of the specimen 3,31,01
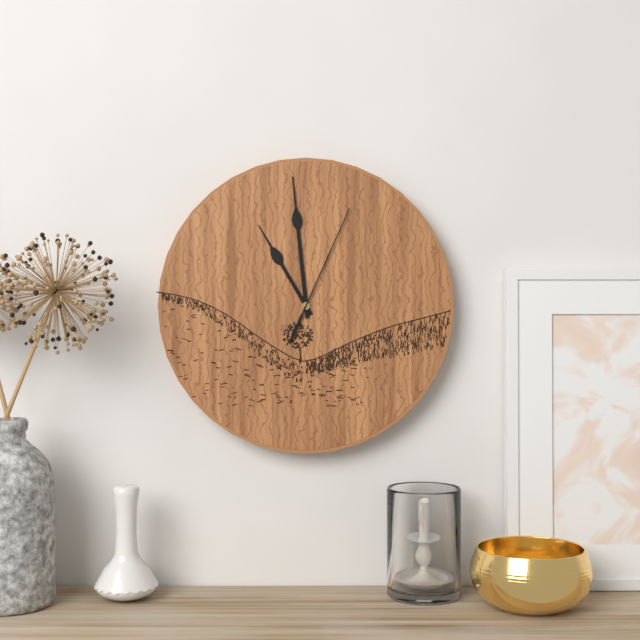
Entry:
10,59,04
